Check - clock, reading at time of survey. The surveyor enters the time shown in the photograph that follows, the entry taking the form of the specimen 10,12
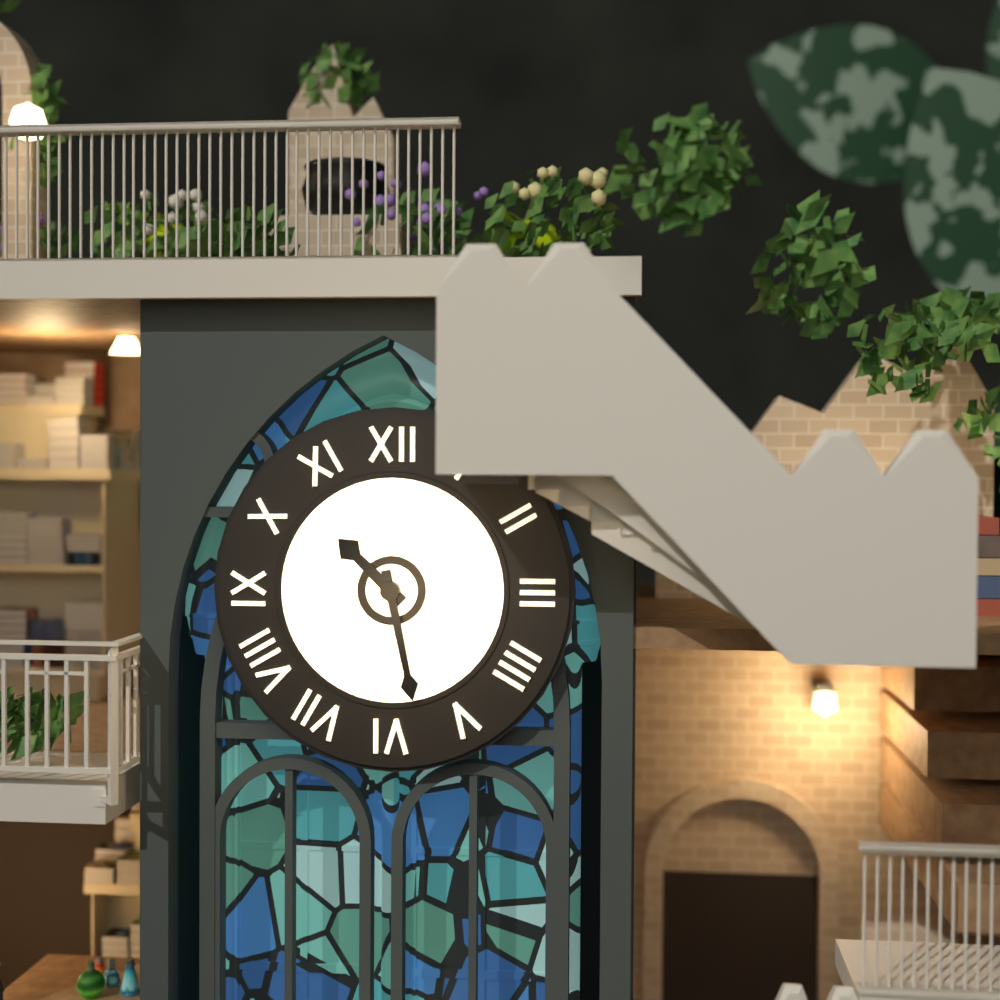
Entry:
10,28
